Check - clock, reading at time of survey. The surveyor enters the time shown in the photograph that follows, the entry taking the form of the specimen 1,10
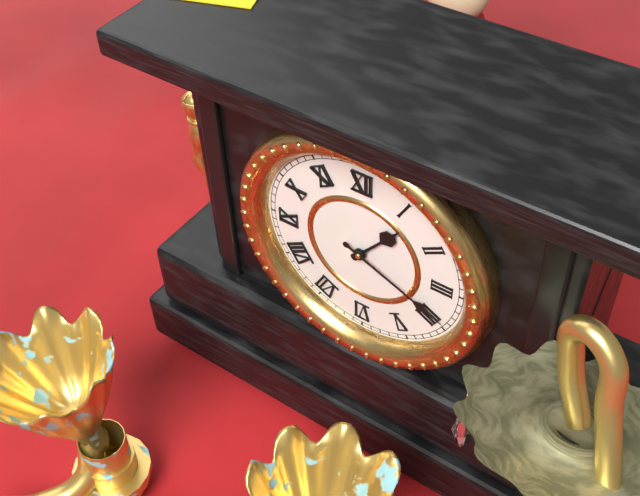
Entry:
1,19
